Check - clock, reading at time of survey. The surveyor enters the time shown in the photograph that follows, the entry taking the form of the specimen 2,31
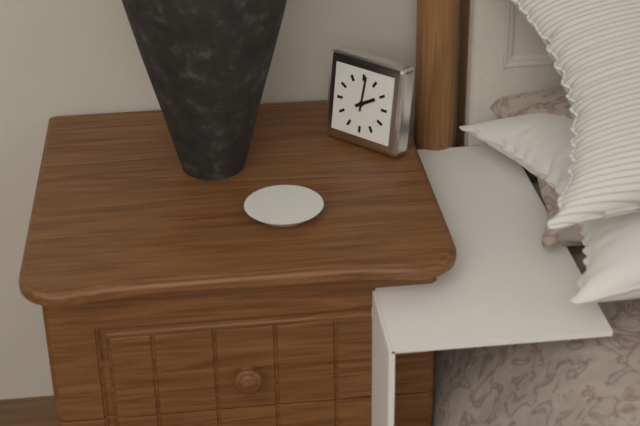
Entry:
2,01
